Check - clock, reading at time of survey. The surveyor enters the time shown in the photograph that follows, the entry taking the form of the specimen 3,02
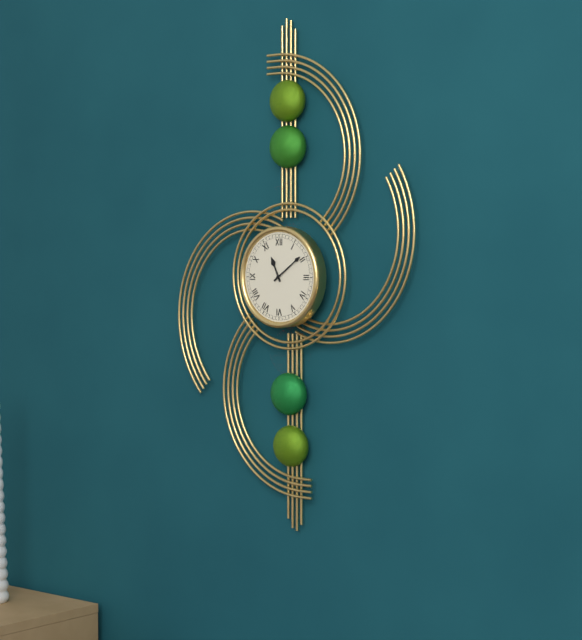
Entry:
11,09
